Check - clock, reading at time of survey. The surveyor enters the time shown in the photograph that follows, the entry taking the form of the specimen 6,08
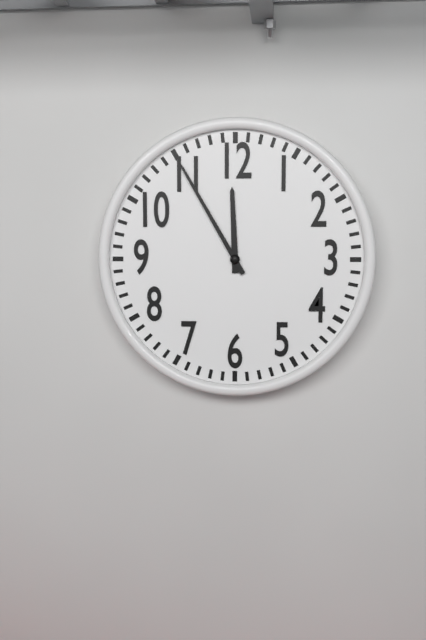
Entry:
11,55
